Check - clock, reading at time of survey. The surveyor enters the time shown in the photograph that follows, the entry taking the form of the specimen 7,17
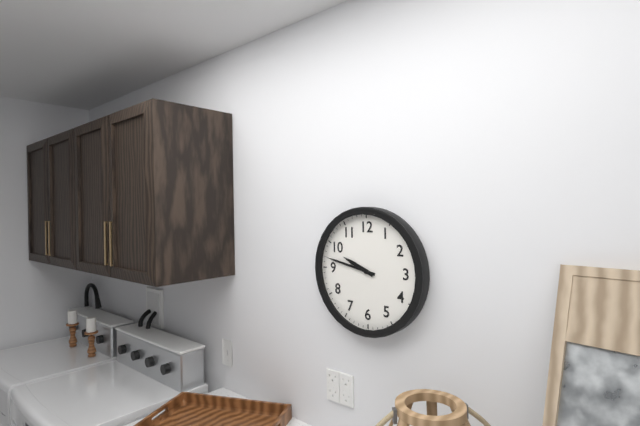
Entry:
9,47
